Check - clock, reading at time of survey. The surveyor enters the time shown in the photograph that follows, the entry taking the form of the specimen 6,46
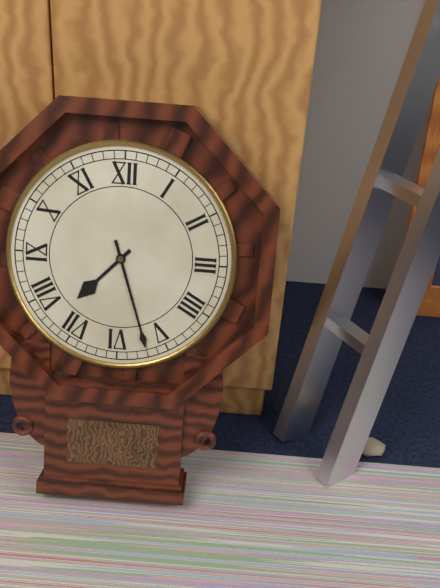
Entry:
7,27
